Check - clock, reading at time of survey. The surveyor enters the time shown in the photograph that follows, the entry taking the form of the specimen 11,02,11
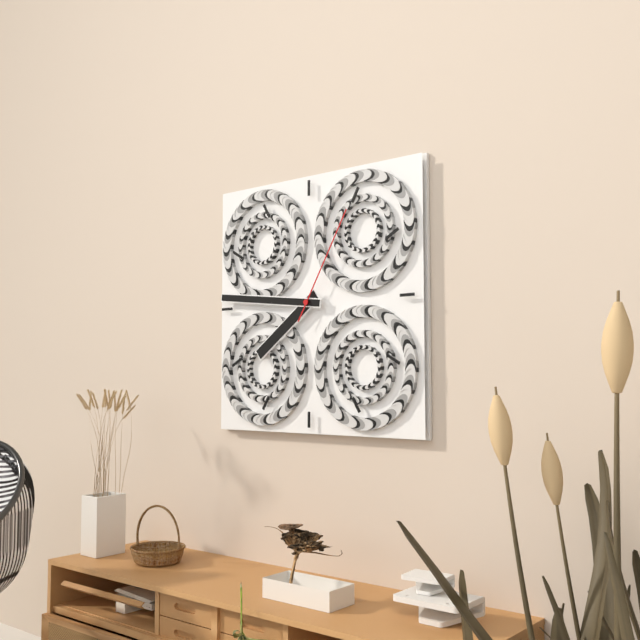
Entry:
7,46,05
